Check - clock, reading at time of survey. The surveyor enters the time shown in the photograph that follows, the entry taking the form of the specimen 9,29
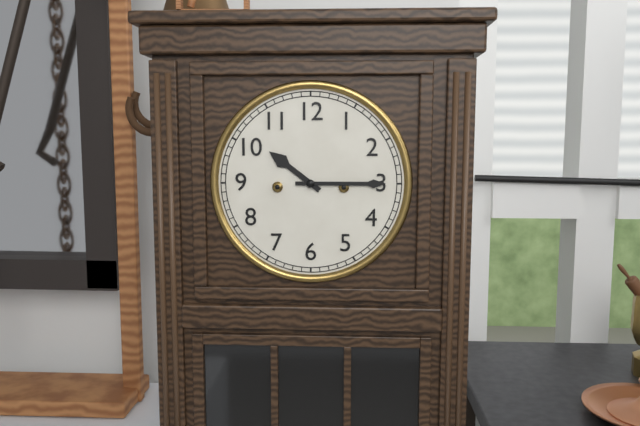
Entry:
10,15
